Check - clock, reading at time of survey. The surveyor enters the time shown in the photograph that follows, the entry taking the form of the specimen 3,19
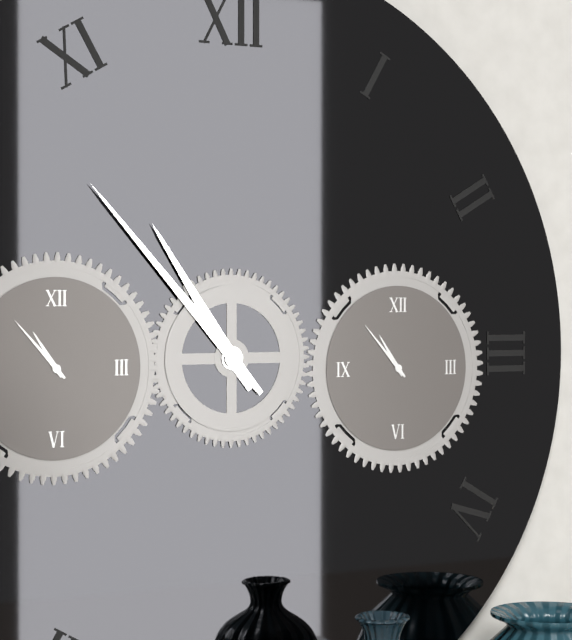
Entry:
10,53
